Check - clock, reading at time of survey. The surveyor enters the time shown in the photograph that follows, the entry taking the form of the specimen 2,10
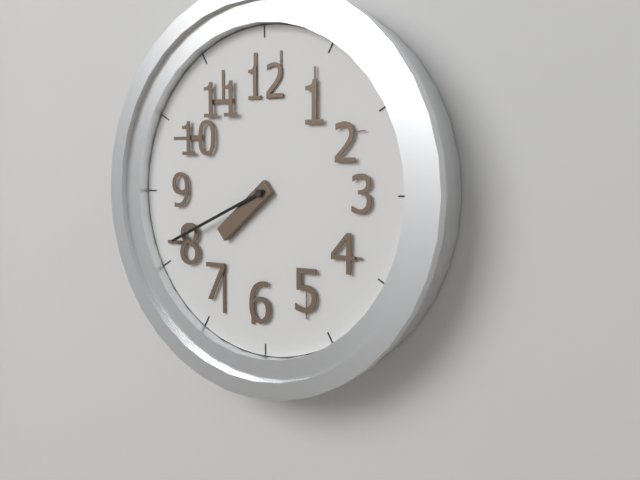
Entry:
7,41
